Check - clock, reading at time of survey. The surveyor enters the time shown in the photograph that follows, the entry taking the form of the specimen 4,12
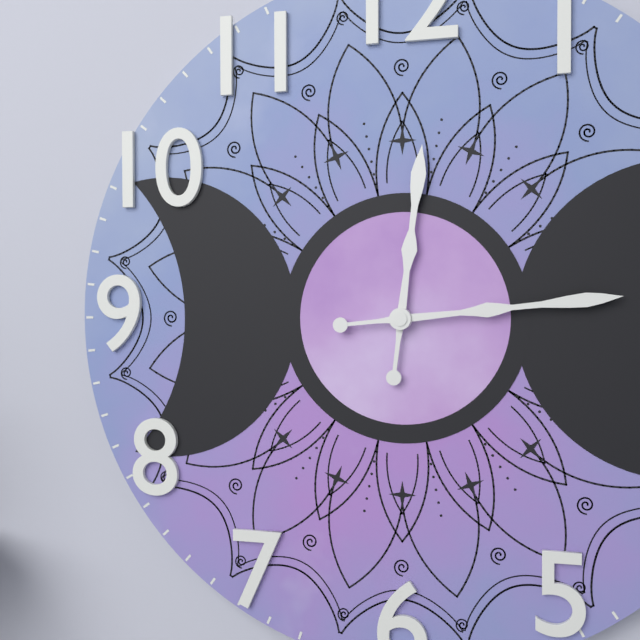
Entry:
12,14
